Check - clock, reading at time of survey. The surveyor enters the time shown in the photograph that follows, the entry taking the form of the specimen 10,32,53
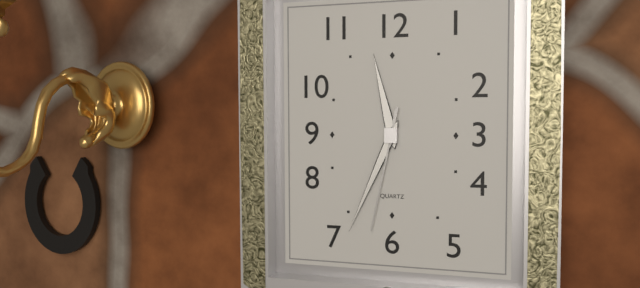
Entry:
11,34,32
